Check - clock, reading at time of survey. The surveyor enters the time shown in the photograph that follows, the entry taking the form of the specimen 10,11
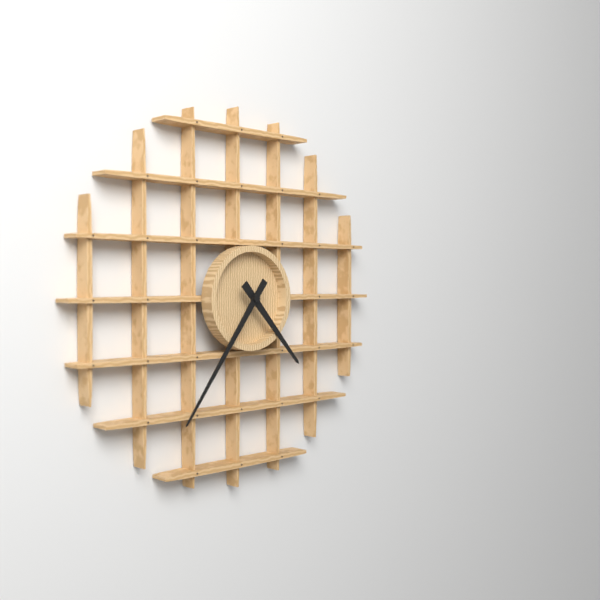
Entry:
4,36
